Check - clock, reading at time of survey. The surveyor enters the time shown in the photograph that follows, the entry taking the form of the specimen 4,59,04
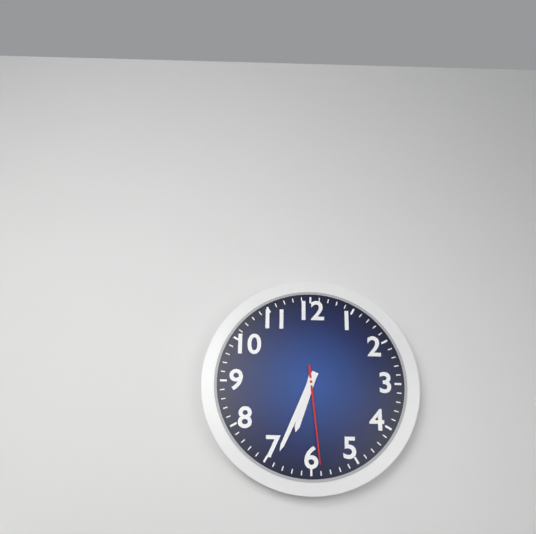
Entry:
6,34,29
